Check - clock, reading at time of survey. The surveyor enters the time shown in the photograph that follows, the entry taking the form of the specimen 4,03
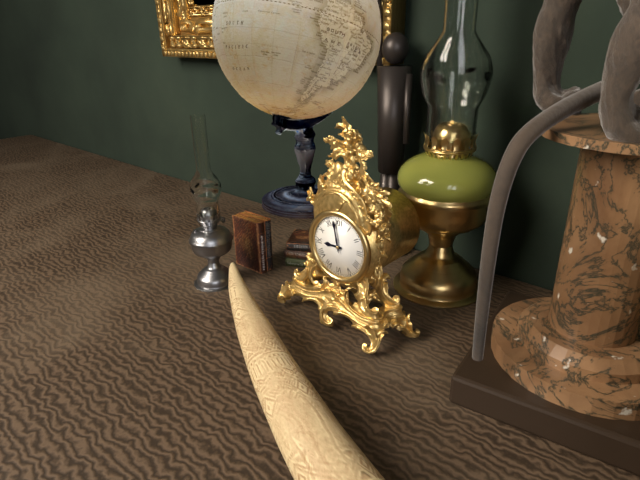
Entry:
8,58
